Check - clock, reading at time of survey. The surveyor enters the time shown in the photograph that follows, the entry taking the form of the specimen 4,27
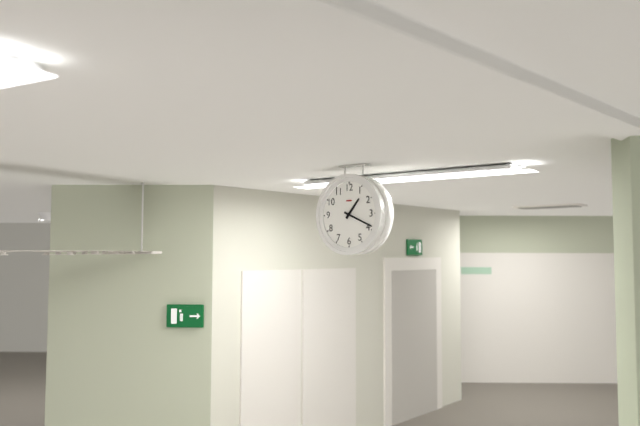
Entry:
1,19
